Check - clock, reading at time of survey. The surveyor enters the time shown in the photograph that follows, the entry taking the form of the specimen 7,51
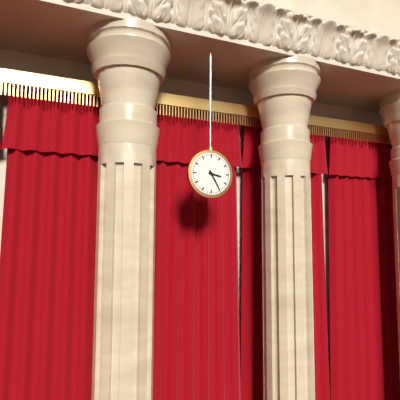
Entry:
3,25
